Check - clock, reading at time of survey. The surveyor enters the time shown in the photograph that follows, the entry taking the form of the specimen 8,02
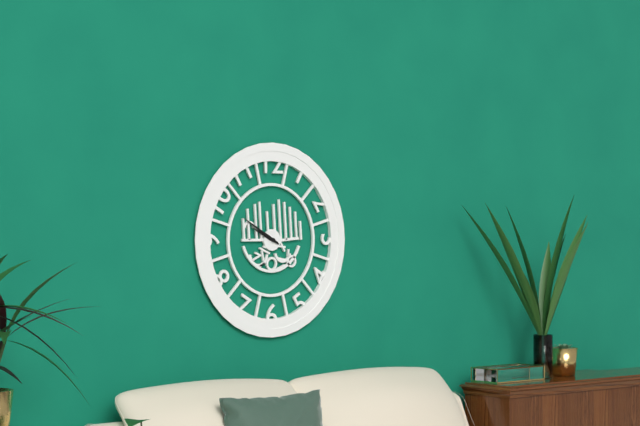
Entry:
9,50
